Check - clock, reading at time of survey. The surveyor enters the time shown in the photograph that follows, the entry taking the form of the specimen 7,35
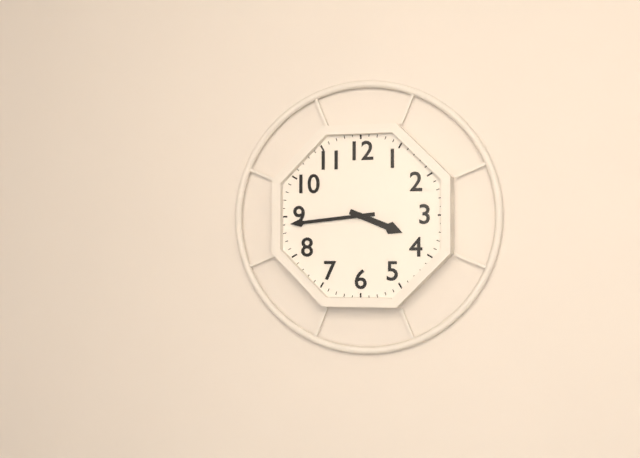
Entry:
3,44
